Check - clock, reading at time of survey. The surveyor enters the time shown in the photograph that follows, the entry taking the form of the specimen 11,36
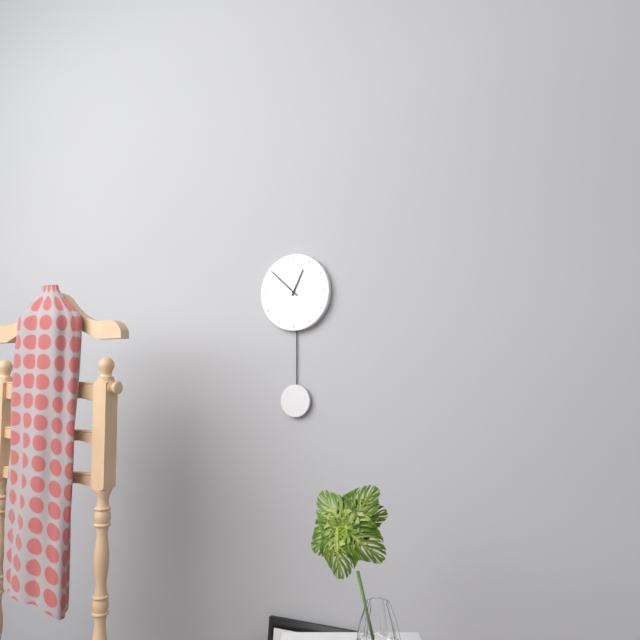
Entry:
12,52
